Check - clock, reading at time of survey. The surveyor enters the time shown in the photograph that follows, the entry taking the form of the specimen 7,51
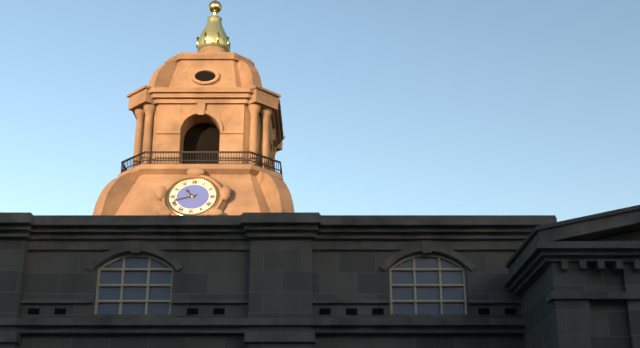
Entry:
10,42
